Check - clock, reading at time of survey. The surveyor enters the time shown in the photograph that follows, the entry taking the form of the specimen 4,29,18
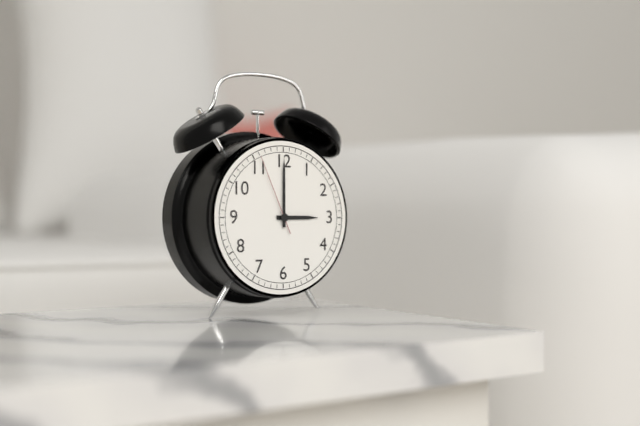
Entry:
3,00,56
